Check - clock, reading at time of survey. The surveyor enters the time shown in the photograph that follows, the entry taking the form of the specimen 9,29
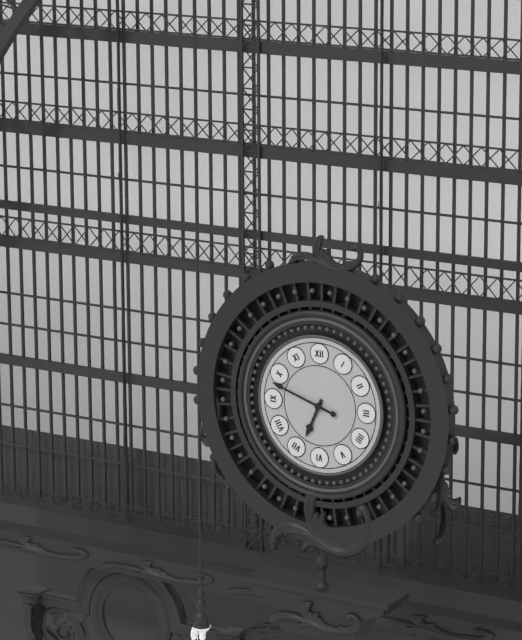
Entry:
6,48
